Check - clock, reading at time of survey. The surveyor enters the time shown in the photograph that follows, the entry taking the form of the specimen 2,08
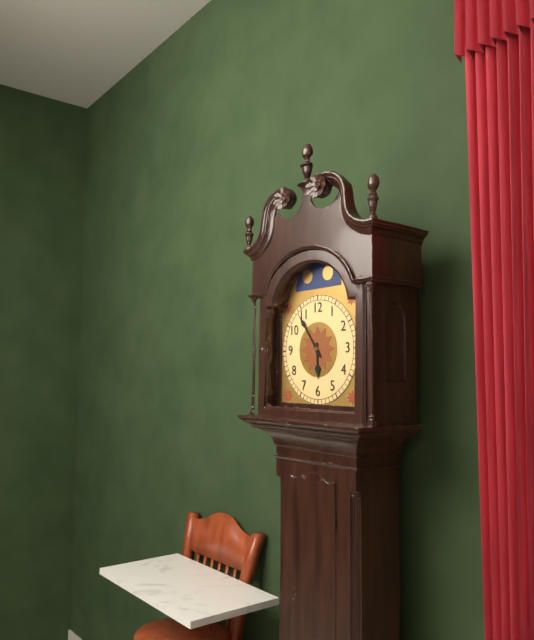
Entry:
5,54
